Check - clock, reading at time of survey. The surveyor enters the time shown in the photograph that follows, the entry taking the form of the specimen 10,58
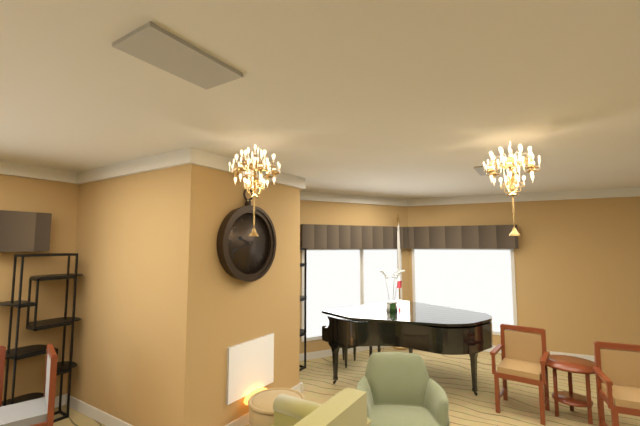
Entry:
9,42
